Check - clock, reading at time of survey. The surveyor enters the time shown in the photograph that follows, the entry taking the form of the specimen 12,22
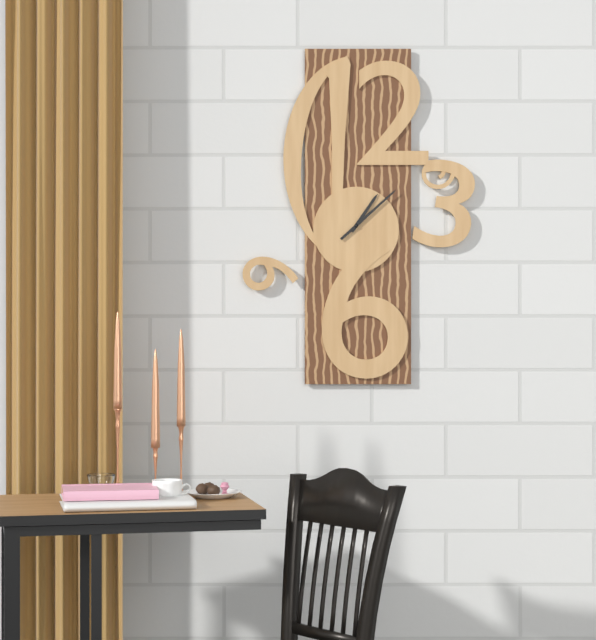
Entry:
1,08
